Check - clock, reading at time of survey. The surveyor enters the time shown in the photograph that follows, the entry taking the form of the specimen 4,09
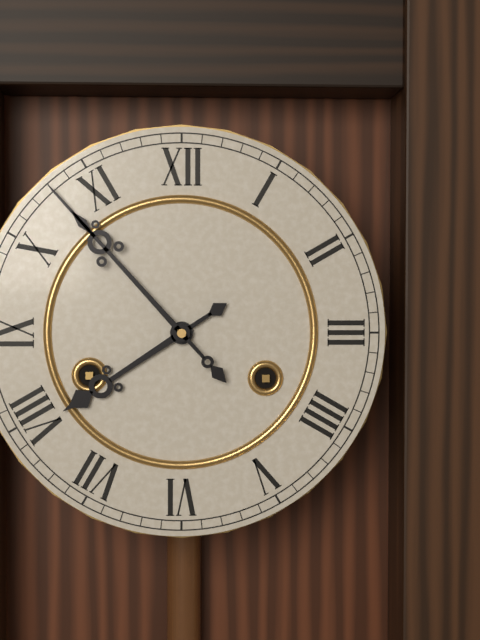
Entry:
7,53
